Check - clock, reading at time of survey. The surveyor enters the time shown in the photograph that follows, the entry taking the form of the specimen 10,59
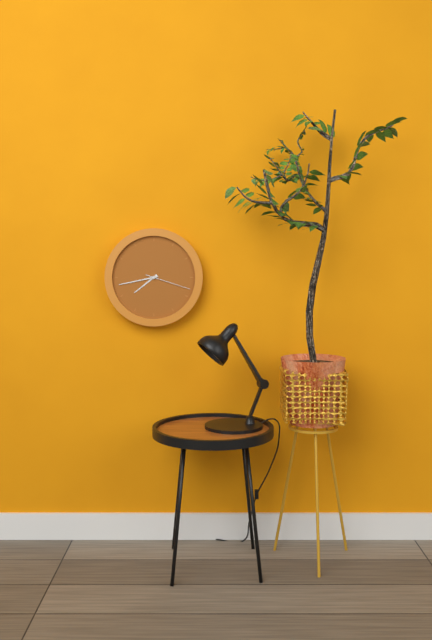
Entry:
7,43
